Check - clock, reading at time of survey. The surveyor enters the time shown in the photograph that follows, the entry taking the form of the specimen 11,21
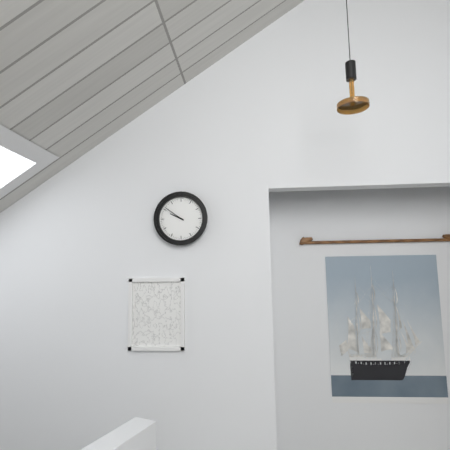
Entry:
9,51
